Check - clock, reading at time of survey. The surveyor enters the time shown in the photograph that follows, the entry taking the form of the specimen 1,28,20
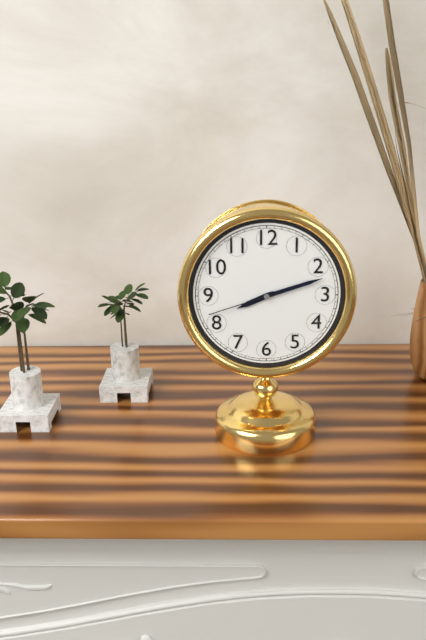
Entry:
8,12,42
